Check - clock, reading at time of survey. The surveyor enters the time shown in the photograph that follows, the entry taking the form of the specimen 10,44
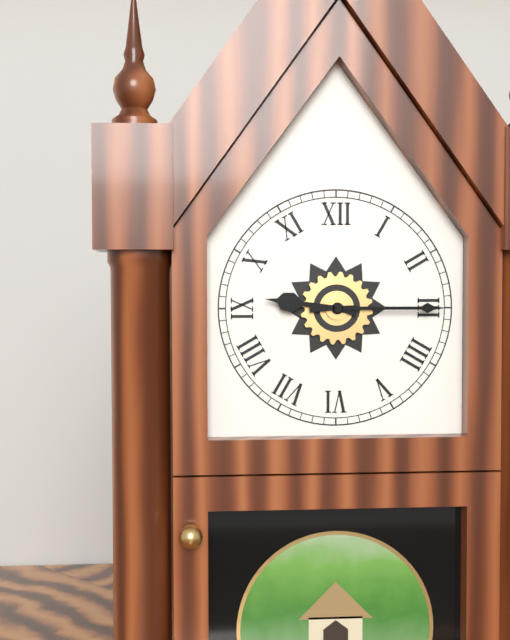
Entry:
9,15
